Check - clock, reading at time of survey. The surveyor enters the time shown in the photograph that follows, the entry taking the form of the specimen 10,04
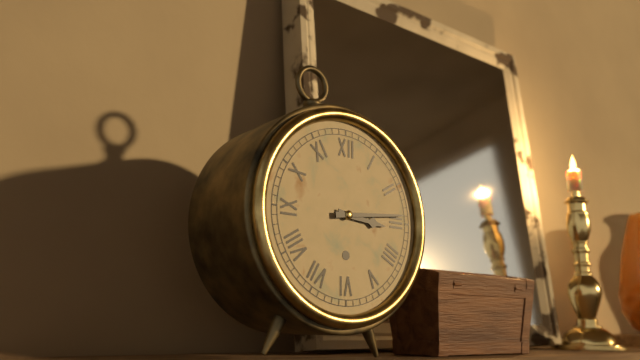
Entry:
3,14
